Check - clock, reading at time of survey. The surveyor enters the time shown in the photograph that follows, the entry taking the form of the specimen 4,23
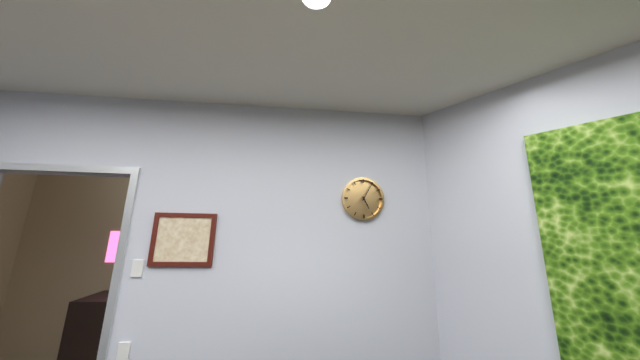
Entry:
5,05
